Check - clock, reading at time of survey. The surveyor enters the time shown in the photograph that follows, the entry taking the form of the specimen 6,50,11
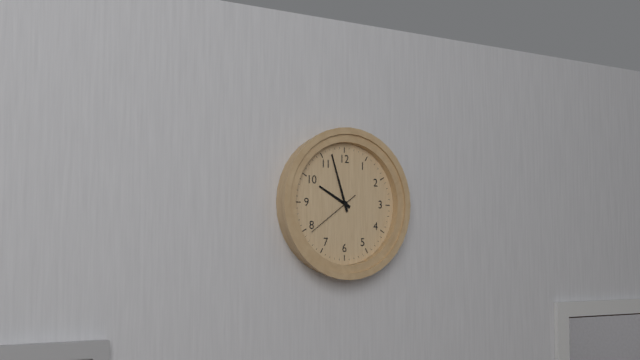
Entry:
9,57,39
